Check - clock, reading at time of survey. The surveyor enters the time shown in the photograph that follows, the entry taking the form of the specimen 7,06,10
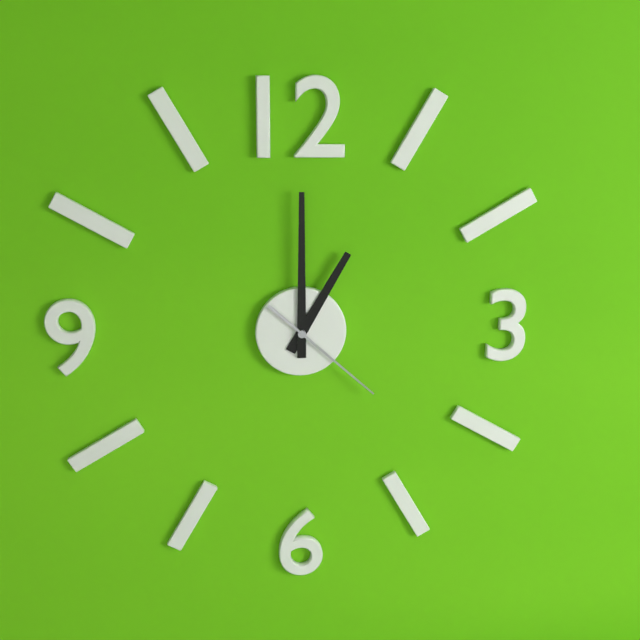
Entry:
1,00,22
